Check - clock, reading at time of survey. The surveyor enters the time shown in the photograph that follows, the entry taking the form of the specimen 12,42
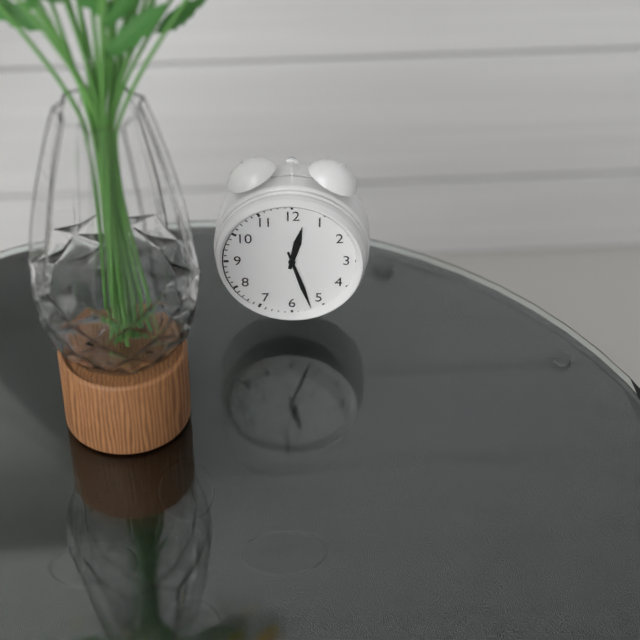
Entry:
12,27
